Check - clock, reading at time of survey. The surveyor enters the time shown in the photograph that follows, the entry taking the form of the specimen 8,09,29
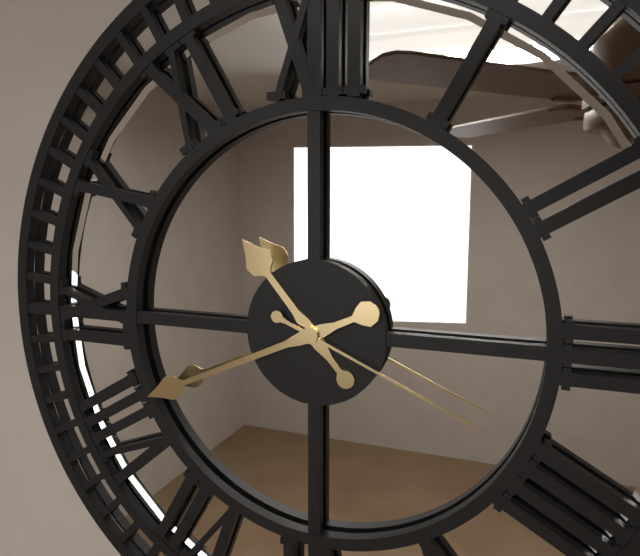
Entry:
10,41,19
